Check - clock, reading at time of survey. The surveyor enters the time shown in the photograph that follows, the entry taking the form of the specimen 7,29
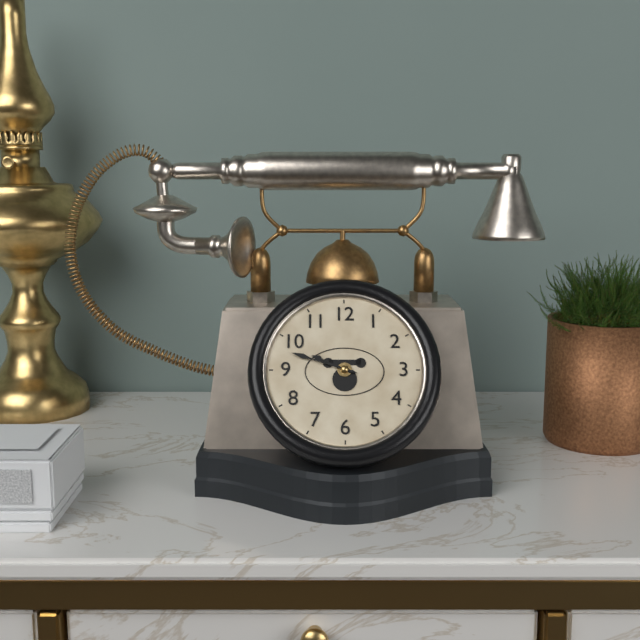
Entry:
9,48
